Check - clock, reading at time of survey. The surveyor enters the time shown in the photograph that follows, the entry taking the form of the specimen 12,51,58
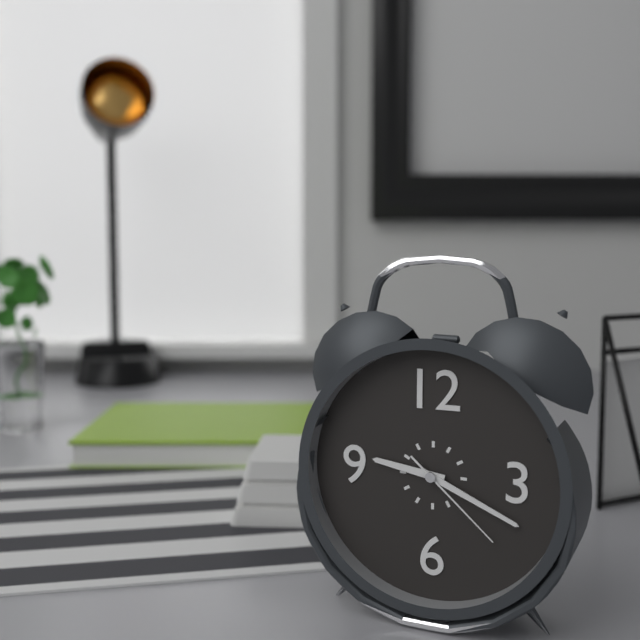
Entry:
9,19,22
